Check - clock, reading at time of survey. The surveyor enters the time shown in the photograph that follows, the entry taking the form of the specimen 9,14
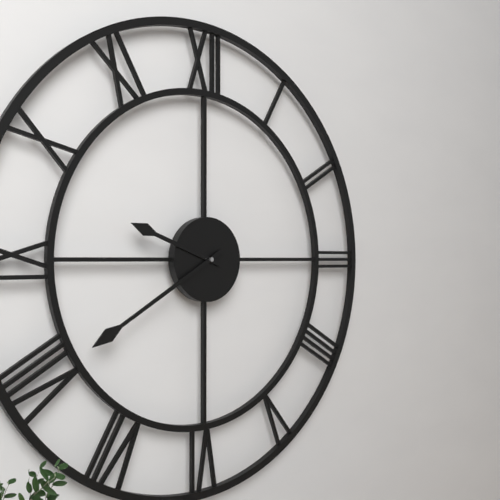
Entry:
9,40
